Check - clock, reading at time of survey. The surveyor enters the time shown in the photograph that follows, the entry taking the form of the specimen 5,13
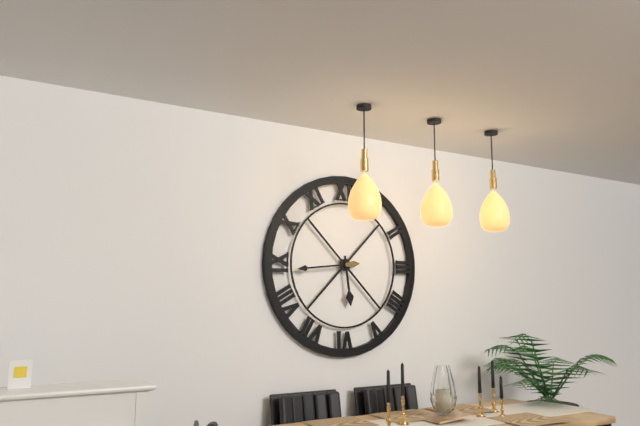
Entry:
5,44
